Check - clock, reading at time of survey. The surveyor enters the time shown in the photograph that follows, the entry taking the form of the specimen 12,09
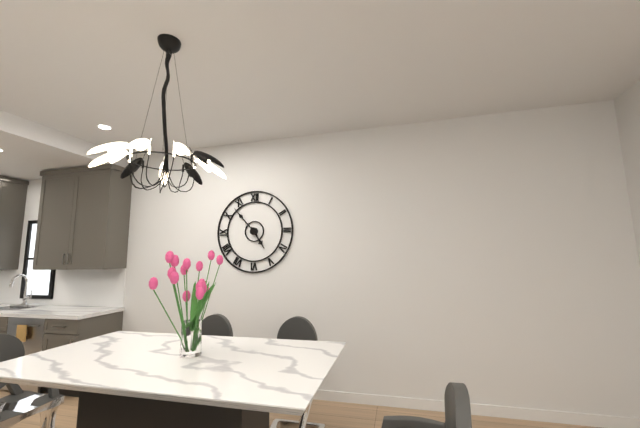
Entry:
4,53
